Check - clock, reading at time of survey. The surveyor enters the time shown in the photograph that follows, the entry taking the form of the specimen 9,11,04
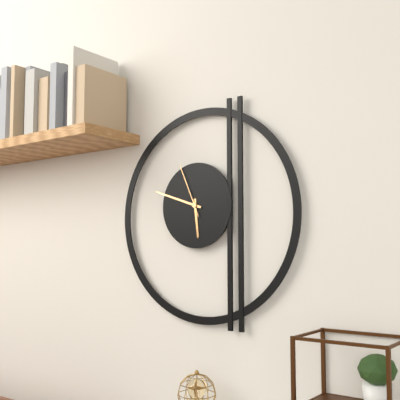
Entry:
5,48,56
